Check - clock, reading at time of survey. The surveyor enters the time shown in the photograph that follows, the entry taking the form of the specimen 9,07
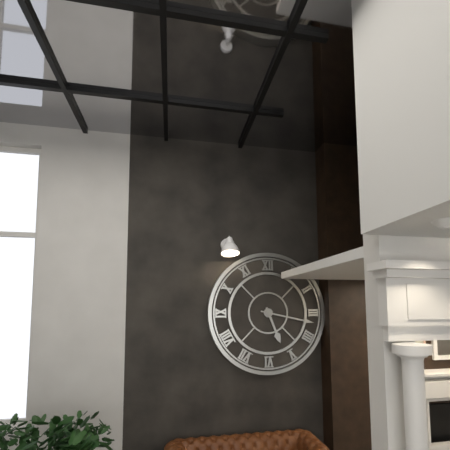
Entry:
5,17
